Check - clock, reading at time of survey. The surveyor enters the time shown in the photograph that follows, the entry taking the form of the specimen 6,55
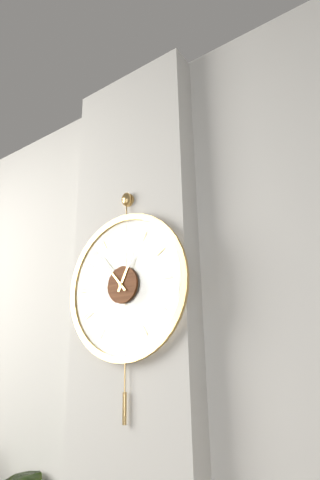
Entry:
12,53
